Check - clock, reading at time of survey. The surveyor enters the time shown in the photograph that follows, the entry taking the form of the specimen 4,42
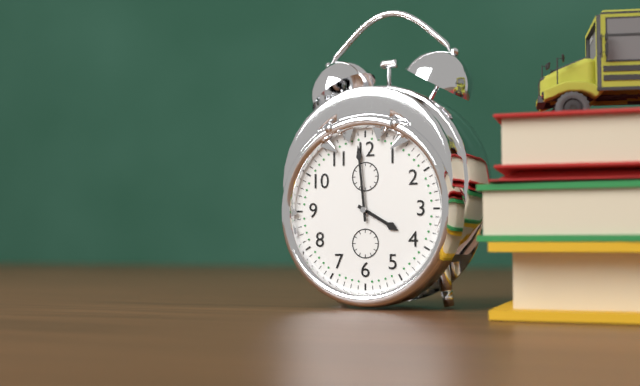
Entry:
3,59
